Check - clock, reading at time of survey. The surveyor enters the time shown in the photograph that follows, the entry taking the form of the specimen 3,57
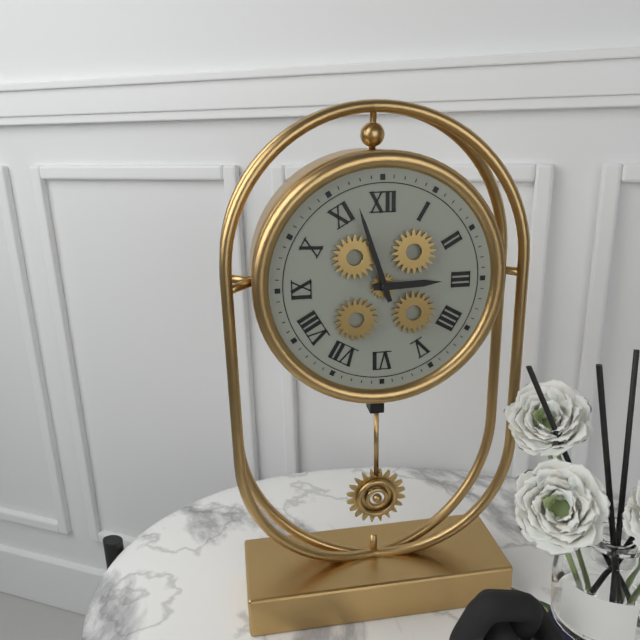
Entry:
2,57
